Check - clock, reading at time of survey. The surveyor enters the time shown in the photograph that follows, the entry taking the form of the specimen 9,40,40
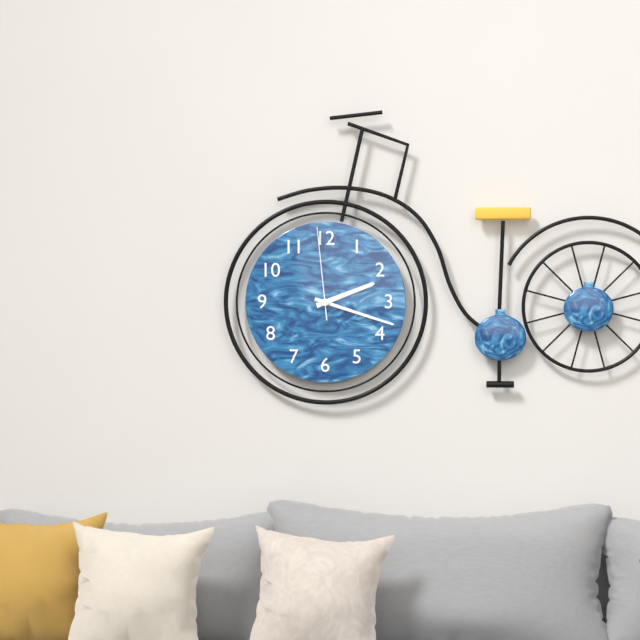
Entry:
2,18,59
